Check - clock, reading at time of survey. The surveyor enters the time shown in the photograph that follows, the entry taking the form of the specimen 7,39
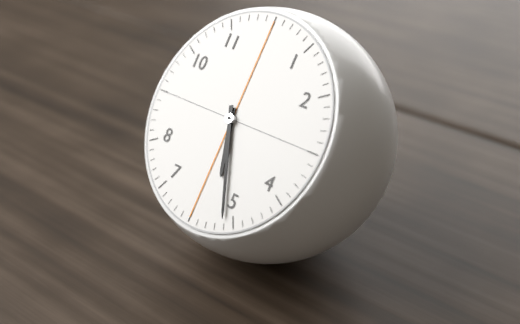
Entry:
5,26
